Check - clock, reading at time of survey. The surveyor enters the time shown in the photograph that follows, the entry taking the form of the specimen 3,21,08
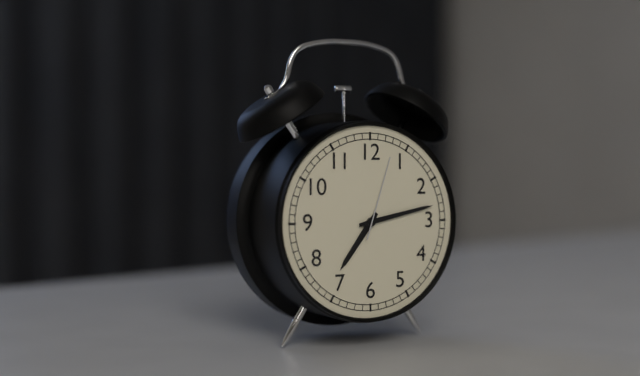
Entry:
7,13,03
